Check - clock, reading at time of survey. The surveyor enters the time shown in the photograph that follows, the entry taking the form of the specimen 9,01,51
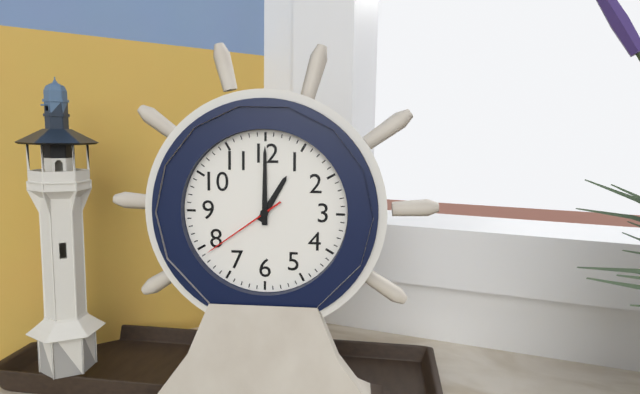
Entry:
1,00,39
